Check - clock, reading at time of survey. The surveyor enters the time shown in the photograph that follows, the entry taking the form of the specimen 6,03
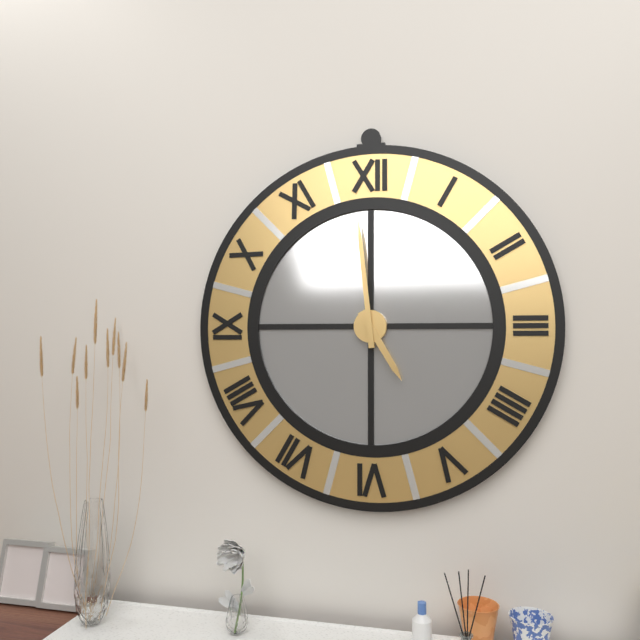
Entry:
4,59
